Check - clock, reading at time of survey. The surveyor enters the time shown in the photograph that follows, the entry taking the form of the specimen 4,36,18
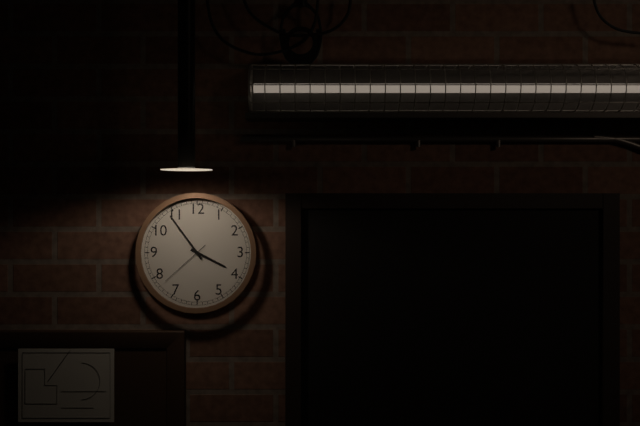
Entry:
3,54,38
